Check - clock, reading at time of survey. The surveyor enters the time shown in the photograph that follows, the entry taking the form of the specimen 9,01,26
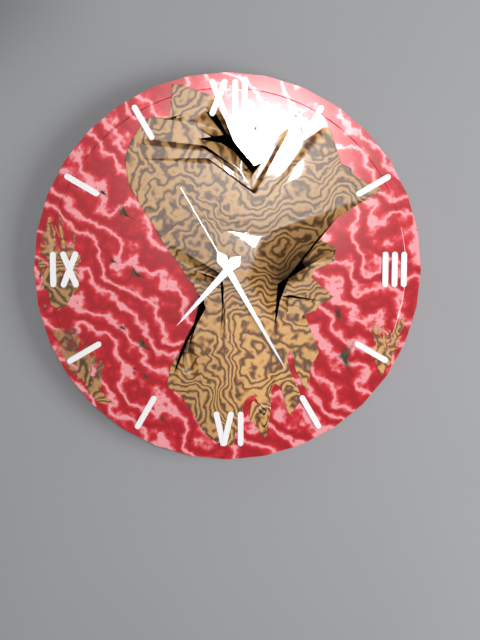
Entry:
7,25,55
